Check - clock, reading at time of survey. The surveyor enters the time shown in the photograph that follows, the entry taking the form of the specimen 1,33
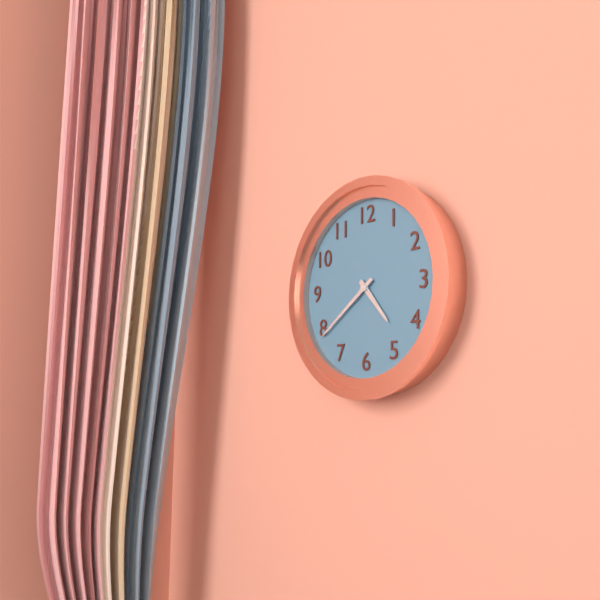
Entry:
4,39
